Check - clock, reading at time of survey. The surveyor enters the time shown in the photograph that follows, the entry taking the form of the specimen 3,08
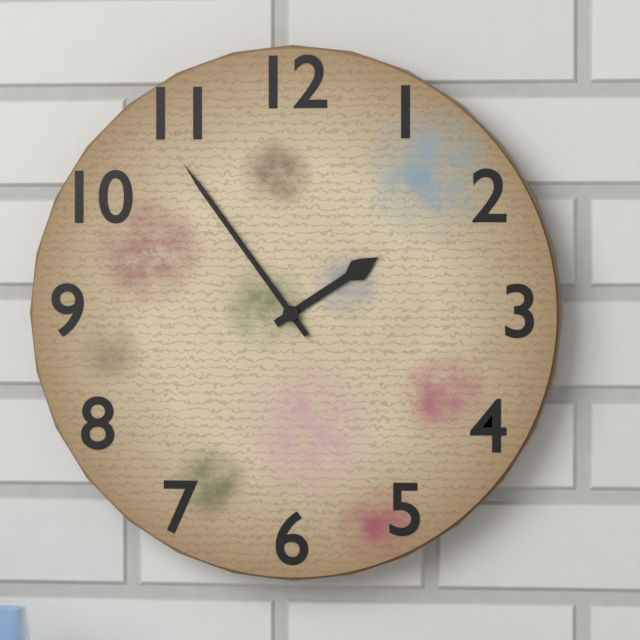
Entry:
1,54
